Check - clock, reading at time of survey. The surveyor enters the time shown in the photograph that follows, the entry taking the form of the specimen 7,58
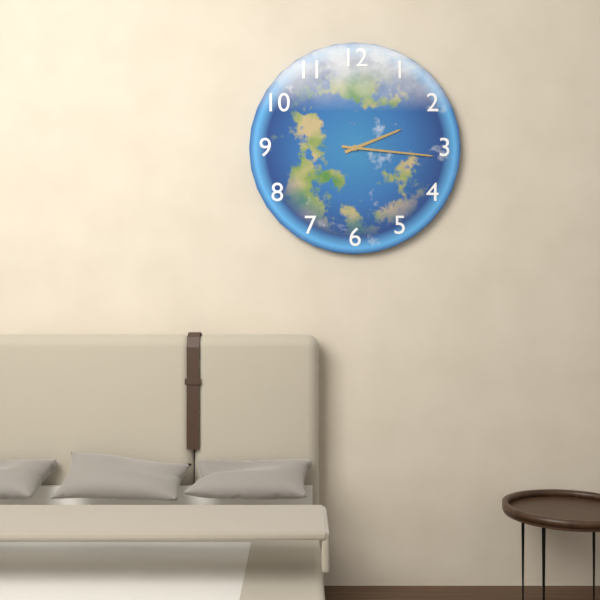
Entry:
2,16
